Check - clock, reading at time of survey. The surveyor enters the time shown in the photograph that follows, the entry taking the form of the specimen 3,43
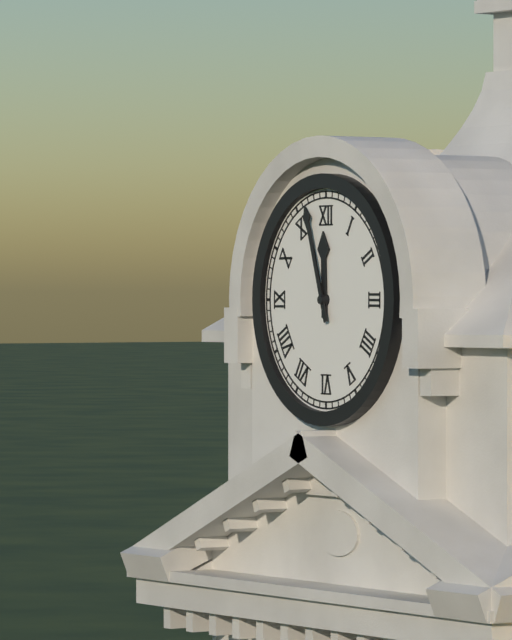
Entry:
11,57
